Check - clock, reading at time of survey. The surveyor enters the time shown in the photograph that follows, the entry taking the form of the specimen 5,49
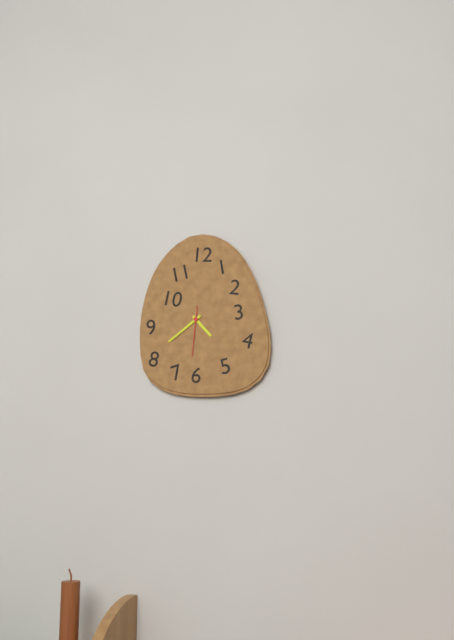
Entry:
4,39
